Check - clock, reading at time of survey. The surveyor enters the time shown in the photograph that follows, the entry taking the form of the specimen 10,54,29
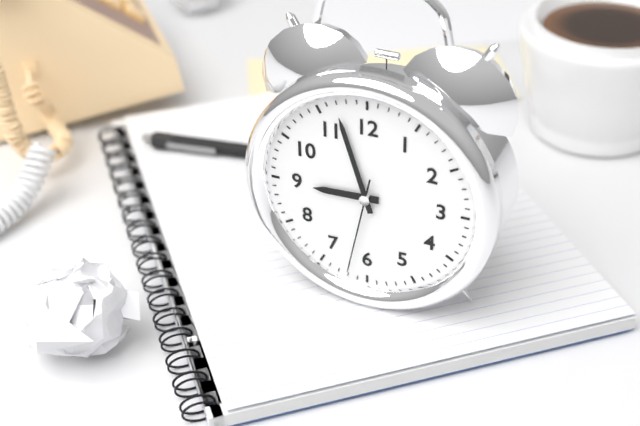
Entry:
8,57,32
